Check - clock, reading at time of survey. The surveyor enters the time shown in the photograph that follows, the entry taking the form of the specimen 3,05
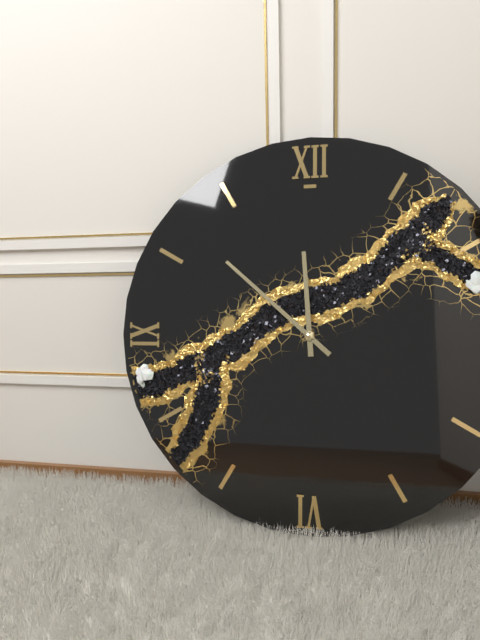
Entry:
11,52
